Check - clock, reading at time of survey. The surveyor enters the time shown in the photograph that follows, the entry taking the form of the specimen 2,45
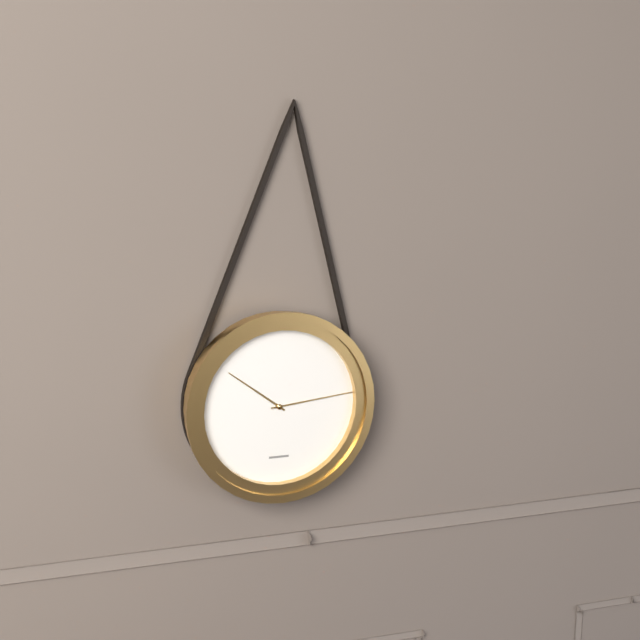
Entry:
10,14
